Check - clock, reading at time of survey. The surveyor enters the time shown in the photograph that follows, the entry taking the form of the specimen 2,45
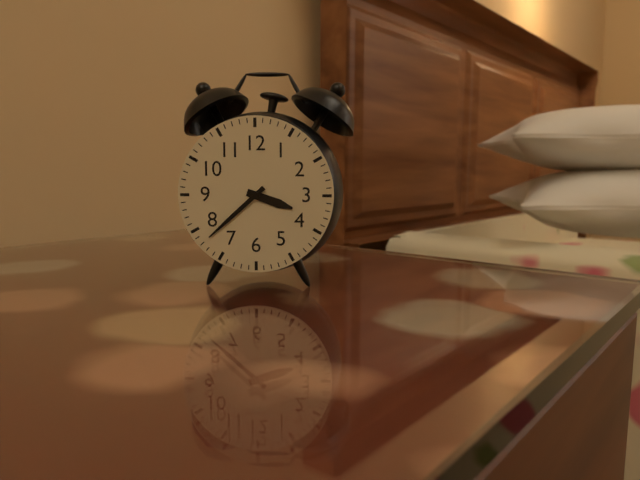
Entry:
3,38
